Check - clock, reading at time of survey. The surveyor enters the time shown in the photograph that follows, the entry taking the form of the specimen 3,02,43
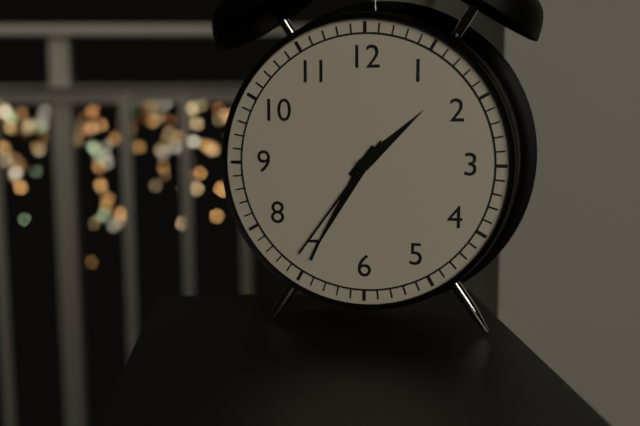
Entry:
1,35,36
